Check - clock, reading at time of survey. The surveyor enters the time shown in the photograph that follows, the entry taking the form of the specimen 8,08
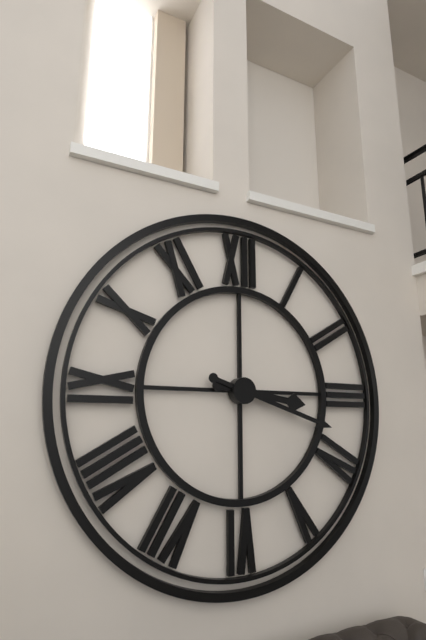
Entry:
3,18
